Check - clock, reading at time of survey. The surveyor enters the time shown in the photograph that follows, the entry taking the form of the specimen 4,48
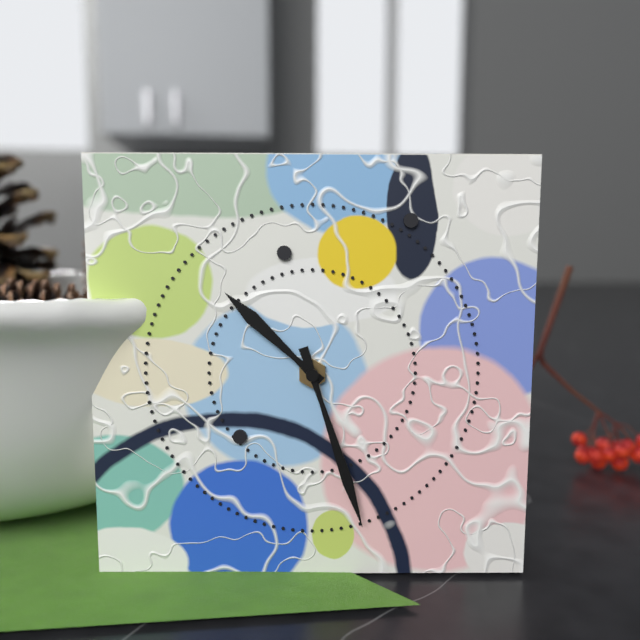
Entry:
10,27
